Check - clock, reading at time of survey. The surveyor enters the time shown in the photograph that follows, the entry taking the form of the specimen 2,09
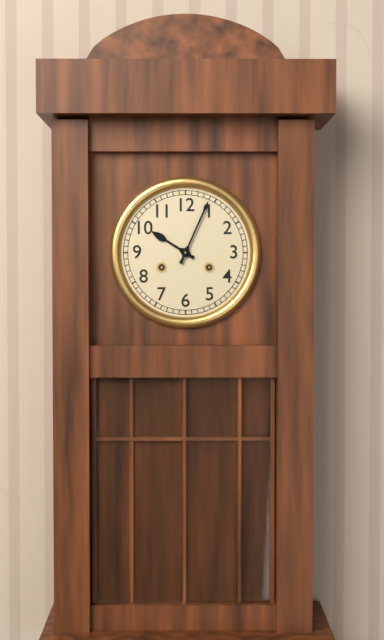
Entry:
10,04
